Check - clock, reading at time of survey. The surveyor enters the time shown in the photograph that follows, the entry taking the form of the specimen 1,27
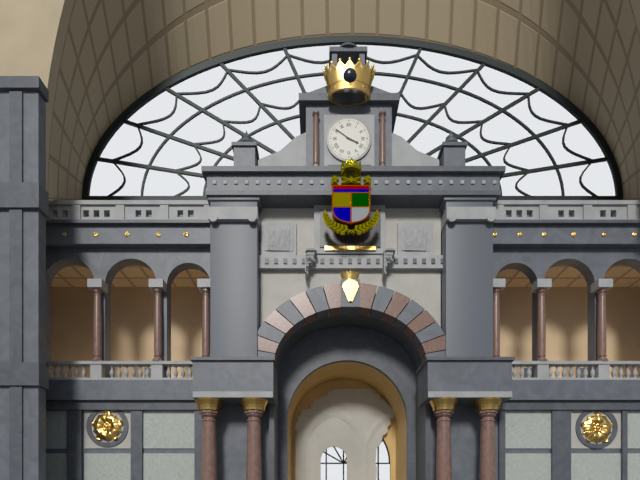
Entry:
3,51
